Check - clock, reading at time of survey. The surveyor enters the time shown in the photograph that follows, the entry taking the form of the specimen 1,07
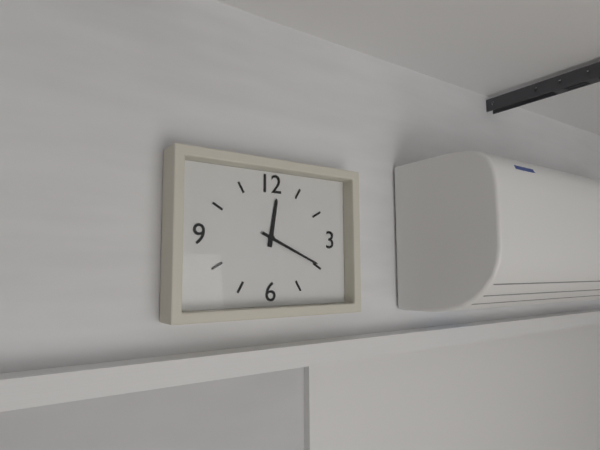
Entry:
12,19
